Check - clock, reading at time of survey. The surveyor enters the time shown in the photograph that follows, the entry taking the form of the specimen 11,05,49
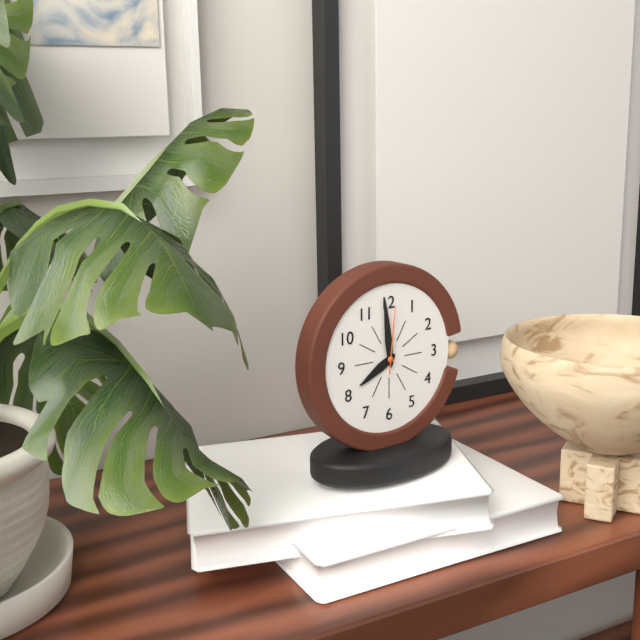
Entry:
7,59,01
